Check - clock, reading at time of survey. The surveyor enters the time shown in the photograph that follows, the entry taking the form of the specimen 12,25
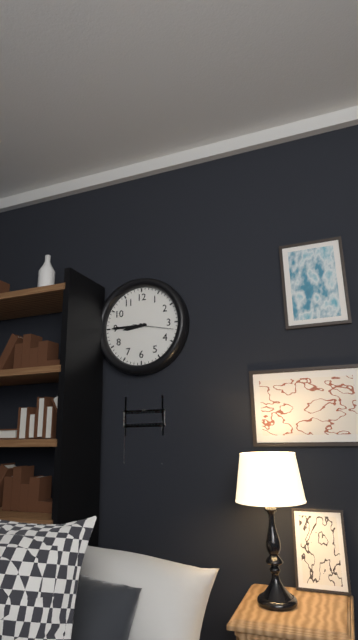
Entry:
8,45
